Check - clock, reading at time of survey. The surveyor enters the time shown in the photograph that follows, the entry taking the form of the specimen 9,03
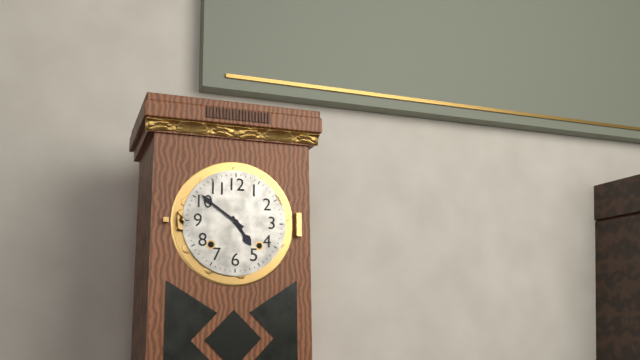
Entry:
4,51
